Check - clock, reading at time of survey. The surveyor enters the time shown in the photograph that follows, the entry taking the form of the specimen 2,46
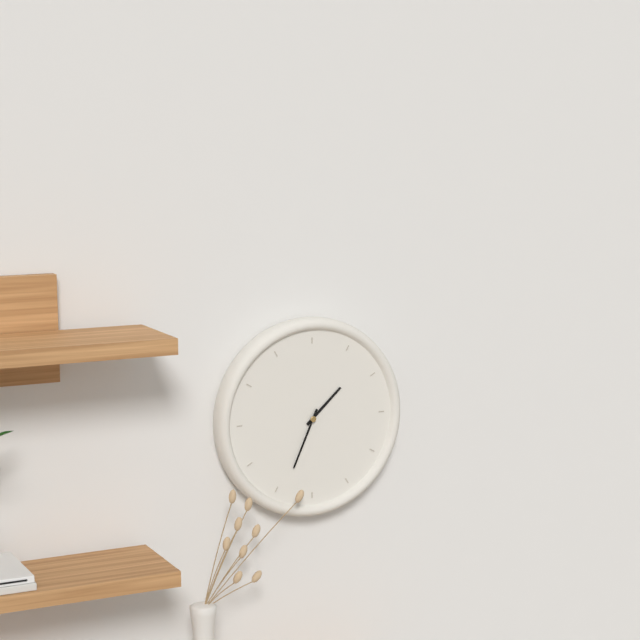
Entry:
1,34
